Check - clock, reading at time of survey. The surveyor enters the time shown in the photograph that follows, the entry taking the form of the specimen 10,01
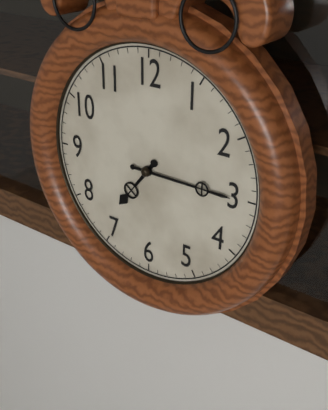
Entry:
7,15
